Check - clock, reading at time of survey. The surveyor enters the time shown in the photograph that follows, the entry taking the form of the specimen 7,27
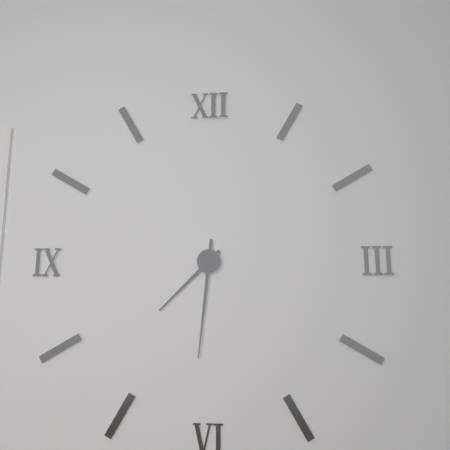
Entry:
7,31
